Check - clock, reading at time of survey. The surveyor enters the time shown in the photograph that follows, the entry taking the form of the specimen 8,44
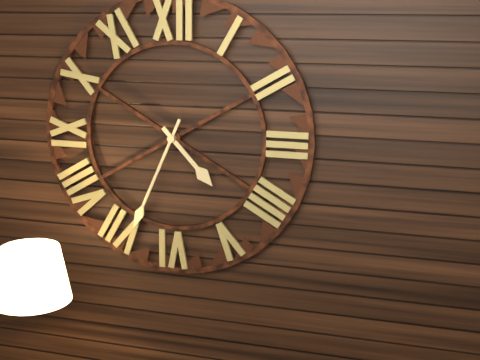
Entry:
4,34
